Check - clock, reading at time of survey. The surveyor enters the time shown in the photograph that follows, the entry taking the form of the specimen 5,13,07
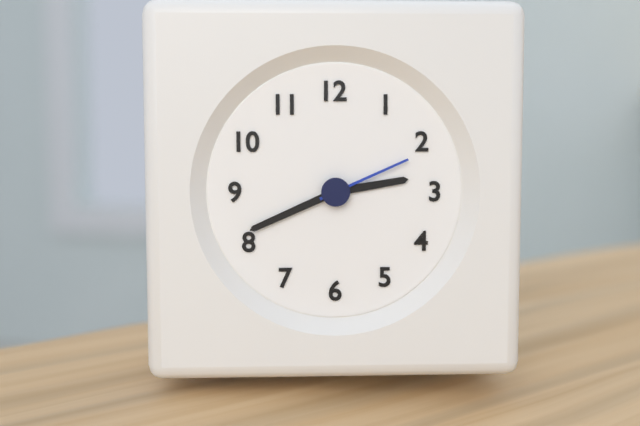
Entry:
2,41,11
